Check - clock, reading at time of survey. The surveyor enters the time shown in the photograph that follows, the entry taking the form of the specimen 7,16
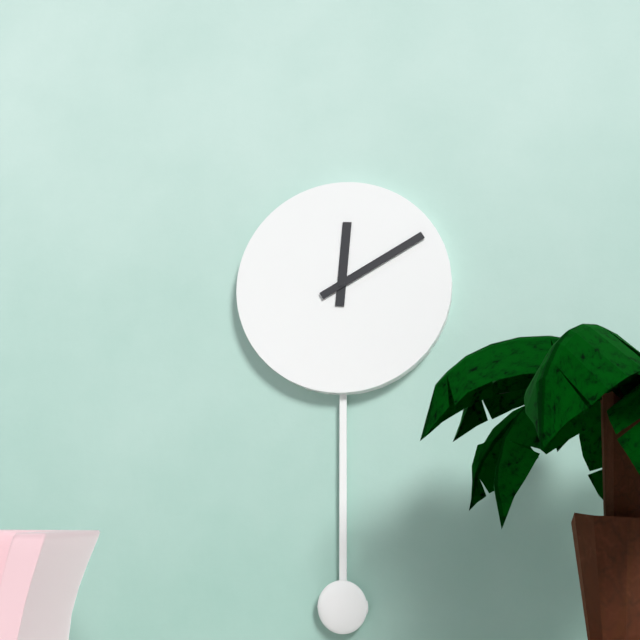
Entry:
12,10
